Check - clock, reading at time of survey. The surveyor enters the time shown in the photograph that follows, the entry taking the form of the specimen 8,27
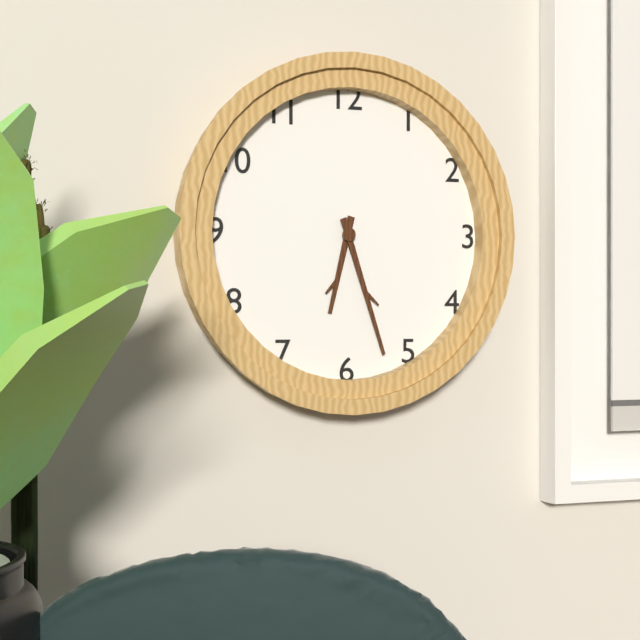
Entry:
6,27
